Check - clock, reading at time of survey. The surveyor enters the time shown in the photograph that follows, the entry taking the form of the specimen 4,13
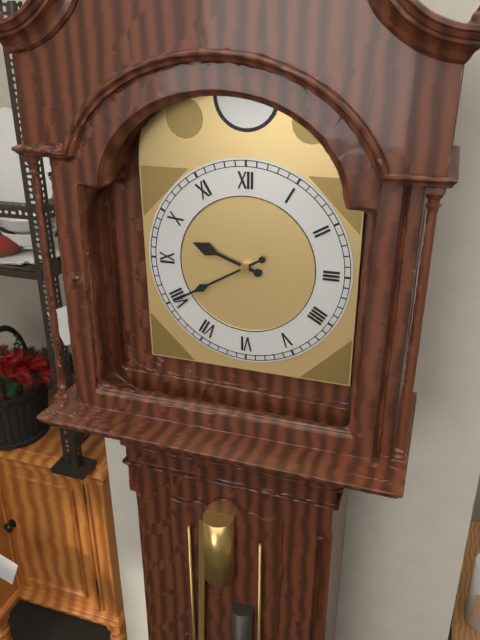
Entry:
9,40
